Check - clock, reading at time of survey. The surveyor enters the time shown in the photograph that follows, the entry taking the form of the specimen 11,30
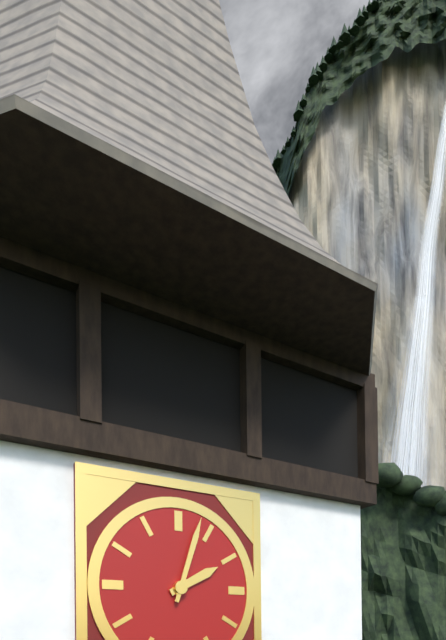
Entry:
2,03
